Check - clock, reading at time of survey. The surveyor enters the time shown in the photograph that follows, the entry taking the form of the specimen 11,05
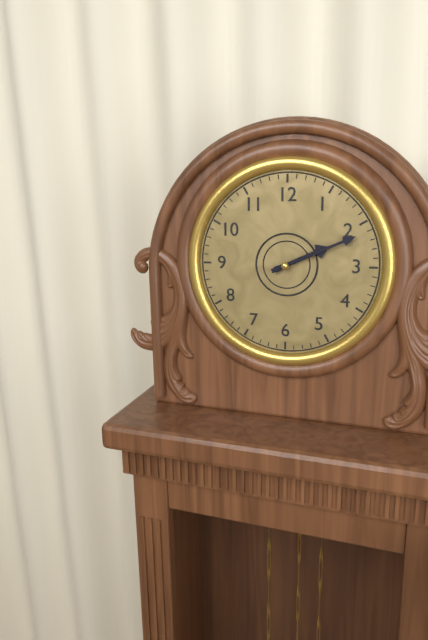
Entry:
2,11
